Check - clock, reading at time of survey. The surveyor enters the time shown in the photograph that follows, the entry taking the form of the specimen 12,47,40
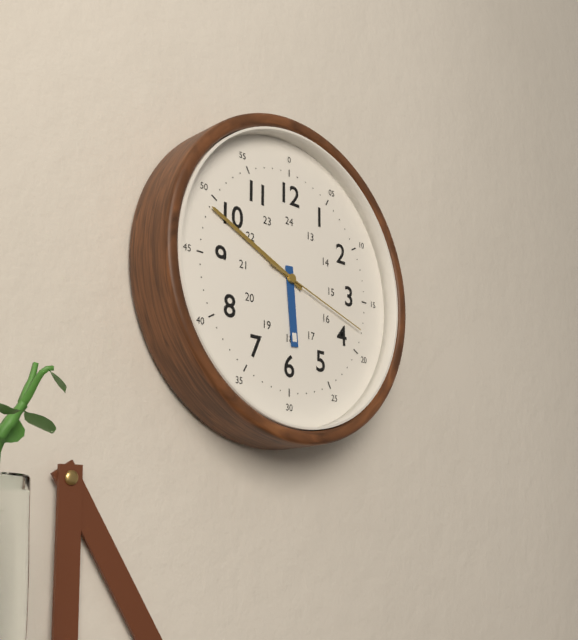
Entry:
5,49,18
